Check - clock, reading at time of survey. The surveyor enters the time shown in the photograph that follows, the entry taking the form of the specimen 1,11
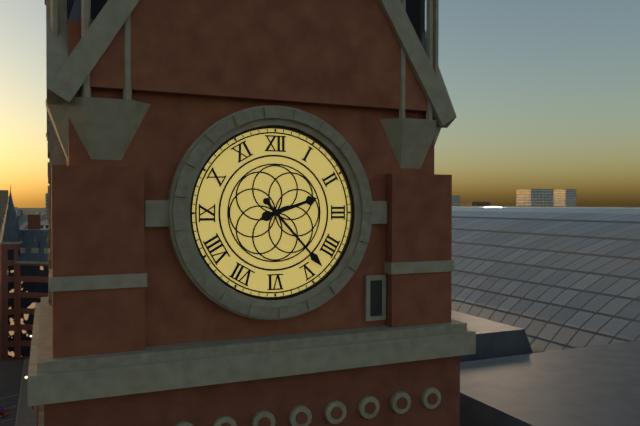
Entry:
2,23
